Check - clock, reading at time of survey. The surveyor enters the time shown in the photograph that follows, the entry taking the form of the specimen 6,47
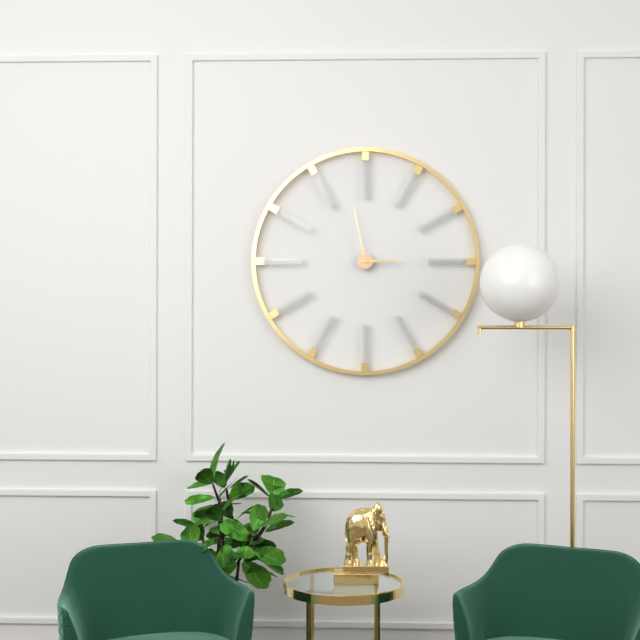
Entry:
2,58
